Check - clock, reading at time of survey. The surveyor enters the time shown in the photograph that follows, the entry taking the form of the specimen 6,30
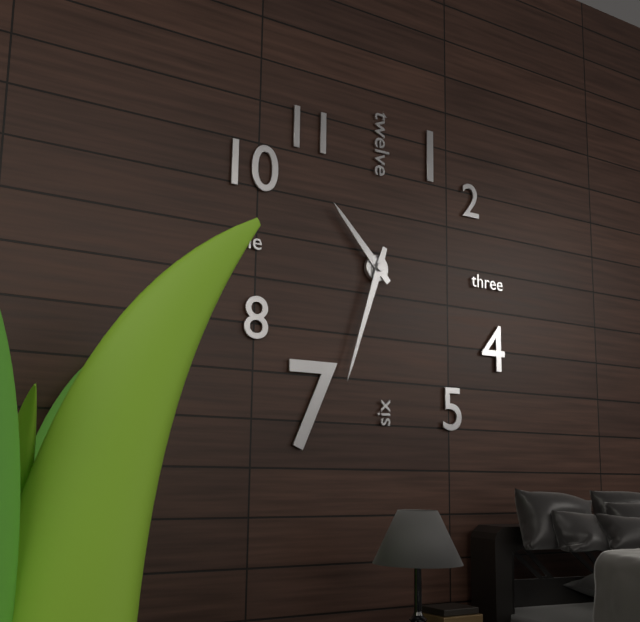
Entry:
10,33
